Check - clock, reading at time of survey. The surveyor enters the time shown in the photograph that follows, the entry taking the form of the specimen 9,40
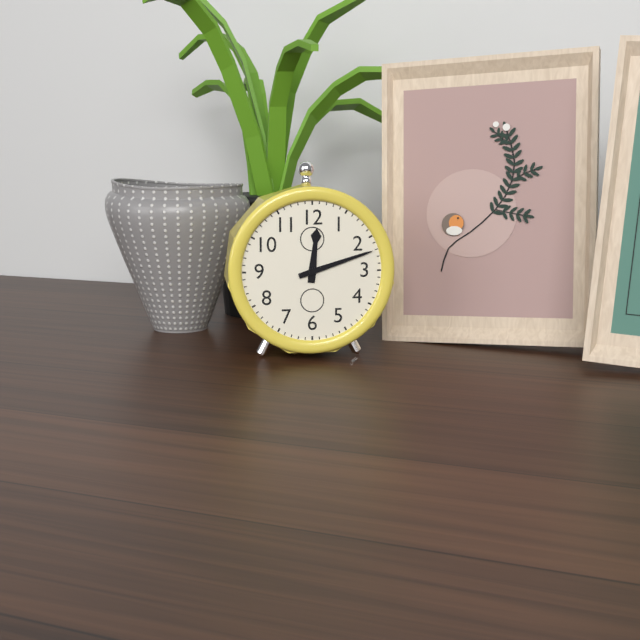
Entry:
12,12
